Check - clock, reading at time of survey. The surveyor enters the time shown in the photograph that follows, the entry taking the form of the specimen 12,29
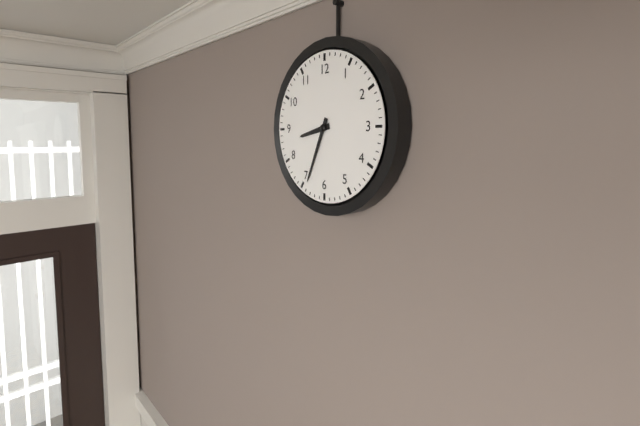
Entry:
8,34
